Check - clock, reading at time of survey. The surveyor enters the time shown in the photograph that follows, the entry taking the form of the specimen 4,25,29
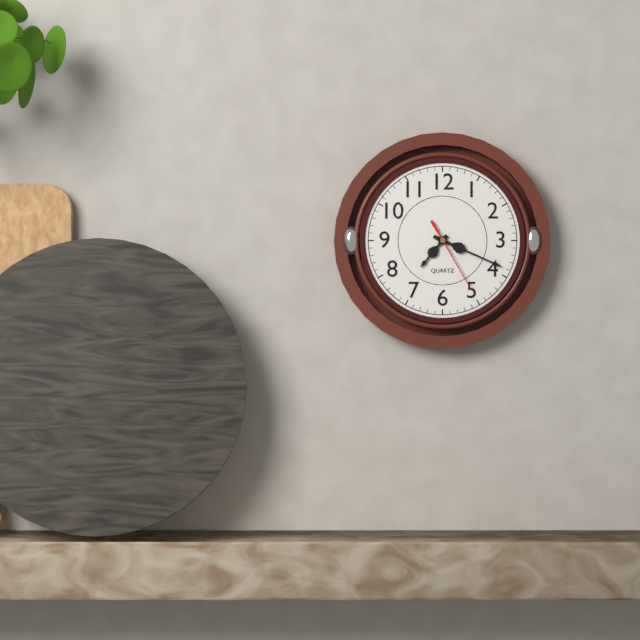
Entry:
7,19,25
